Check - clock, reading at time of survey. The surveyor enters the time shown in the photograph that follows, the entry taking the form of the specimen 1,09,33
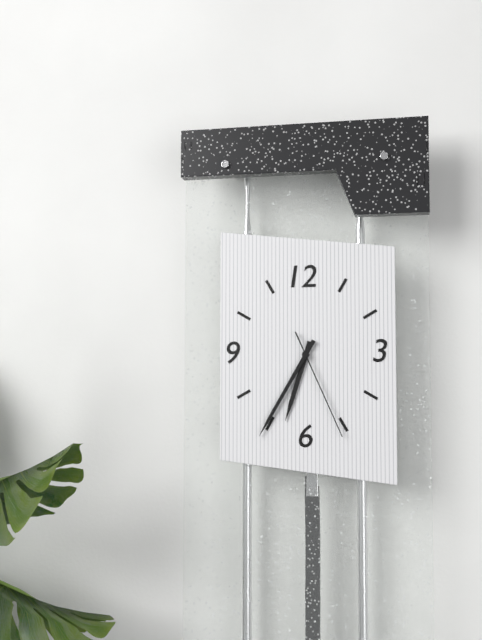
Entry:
6,35,26
